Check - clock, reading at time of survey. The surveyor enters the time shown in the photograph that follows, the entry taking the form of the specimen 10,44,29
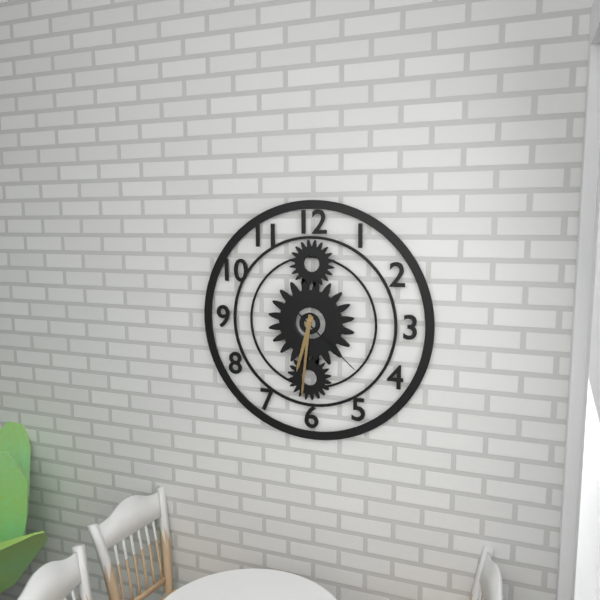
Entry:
6,31,22
